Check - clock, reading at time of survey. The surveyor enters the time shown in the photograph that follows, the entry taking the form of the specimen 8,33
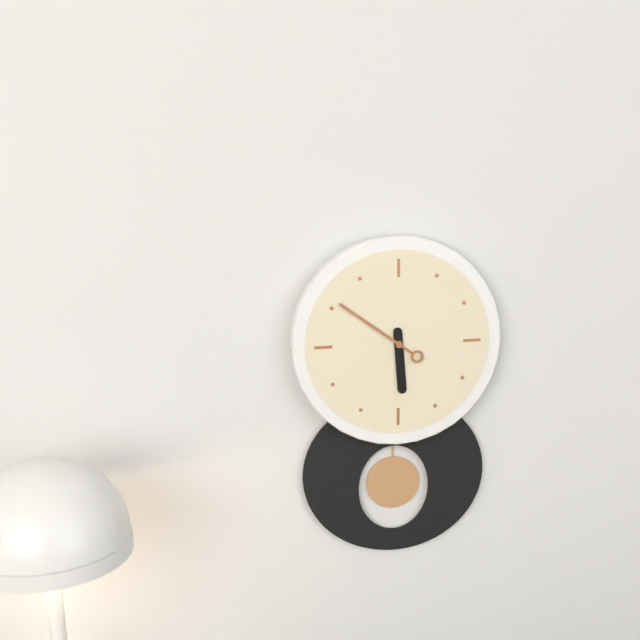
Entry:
5,51
